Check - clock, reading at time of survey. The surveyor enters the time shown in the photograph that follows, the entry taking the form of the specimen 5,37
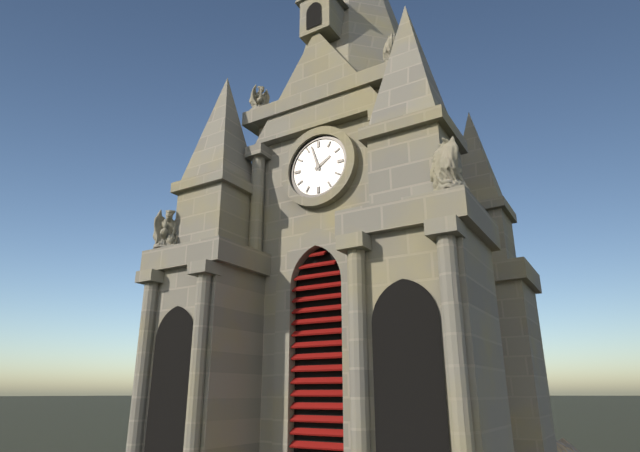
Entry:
1,57
